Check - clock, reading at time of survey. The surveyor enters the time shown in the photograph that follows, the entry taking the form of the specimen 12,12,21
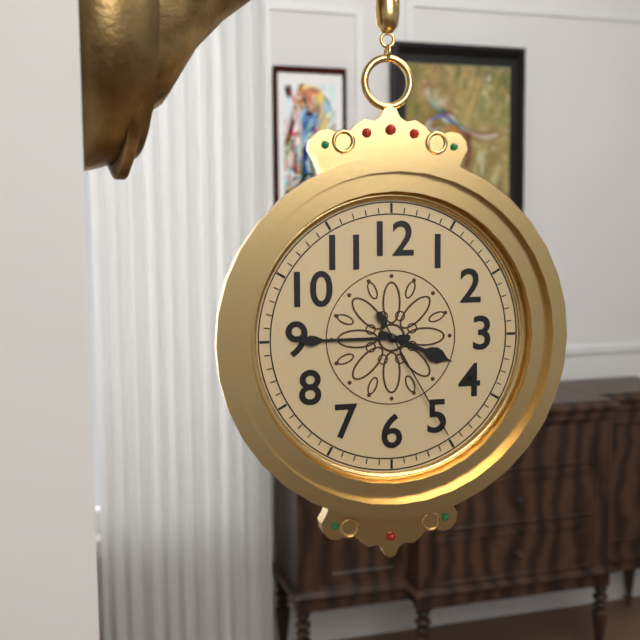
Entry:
3,45,25
